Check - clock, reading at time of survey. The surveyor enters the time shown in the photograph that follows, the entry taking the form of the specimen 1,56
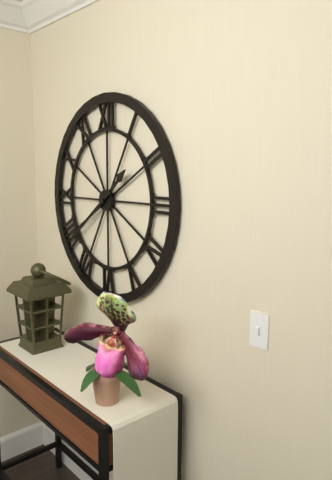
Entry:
1,39
